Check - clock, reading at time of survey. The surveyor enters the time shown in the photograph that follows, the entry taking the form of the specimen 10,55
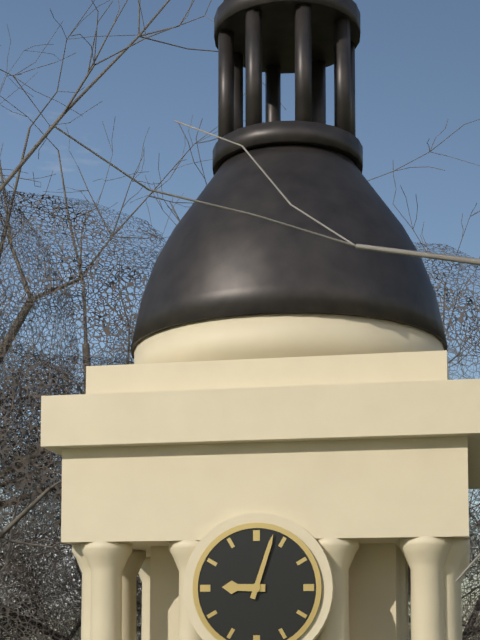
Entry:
9,03
